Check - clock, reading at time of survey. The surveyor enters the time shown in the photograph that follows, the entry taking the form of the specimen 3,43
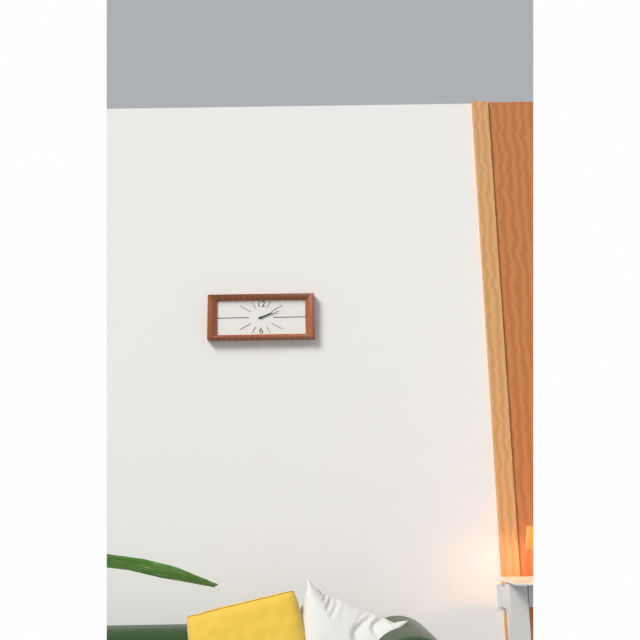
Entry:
2,12
